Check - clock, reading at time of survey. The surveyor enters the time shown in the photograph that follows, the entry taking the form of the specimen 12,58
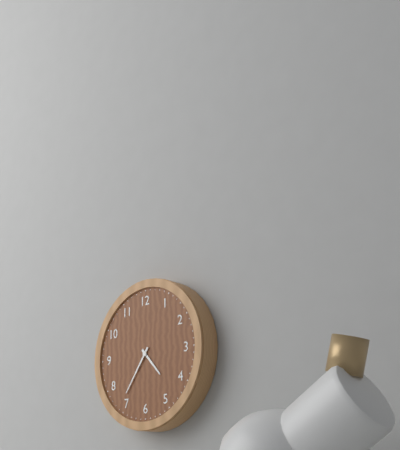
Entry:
4,36
